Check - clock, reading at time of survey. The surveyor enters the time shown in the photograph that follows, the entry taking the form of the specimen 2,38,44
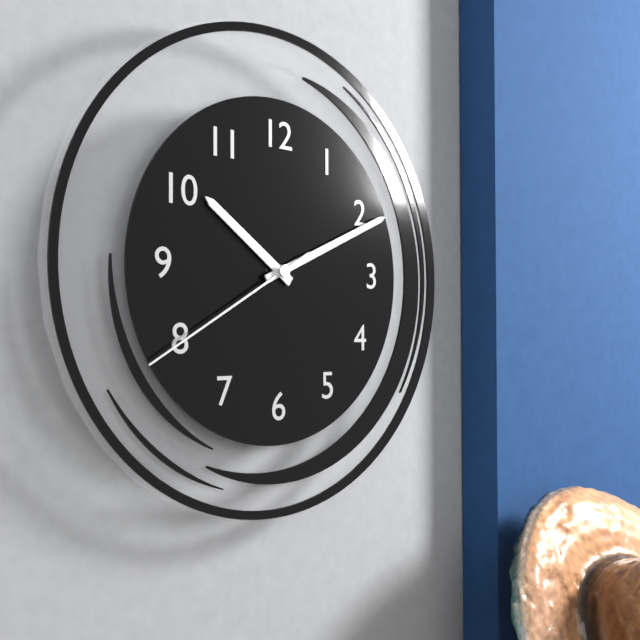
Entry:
10,11,40
